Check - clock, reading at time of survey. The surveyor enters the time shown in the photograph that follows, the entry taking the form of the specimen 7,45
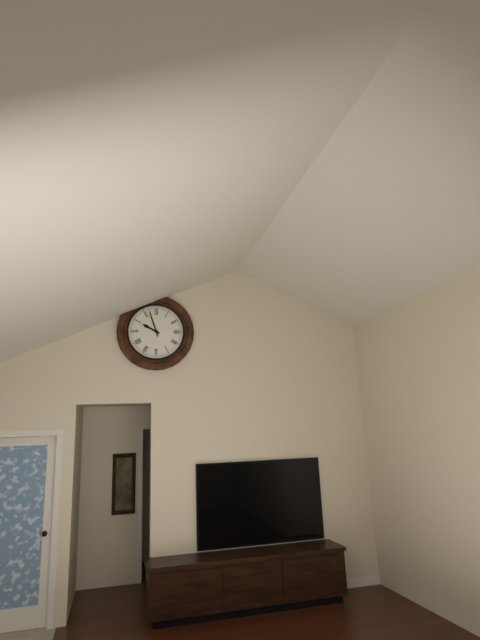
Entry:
9,57
